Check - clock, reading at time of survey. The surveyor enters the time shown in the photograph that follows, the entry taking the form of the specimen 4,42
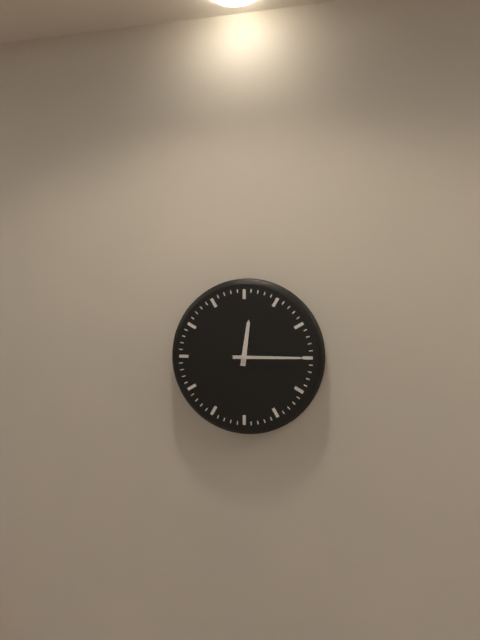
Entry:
12,15
